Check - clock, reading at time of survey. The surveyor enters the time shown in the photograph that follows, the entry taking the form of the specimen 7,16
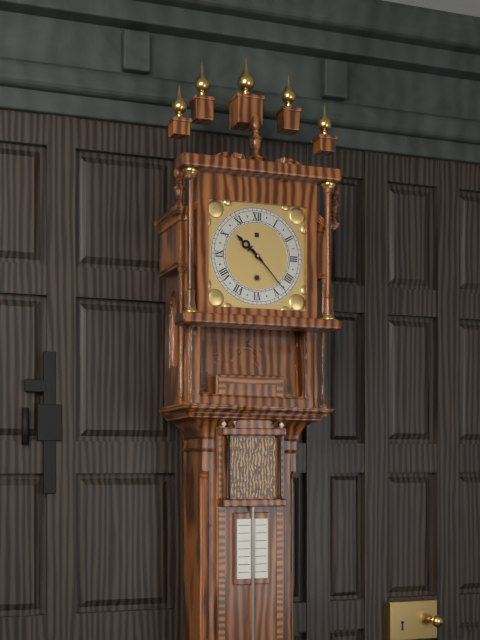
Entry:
10,23
